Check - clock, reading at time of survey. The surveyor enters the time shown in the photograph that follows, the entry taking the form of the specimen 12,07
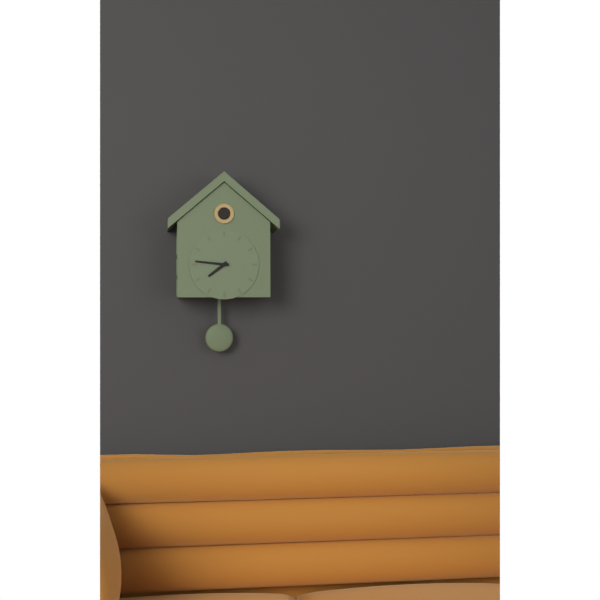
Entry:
7,46
